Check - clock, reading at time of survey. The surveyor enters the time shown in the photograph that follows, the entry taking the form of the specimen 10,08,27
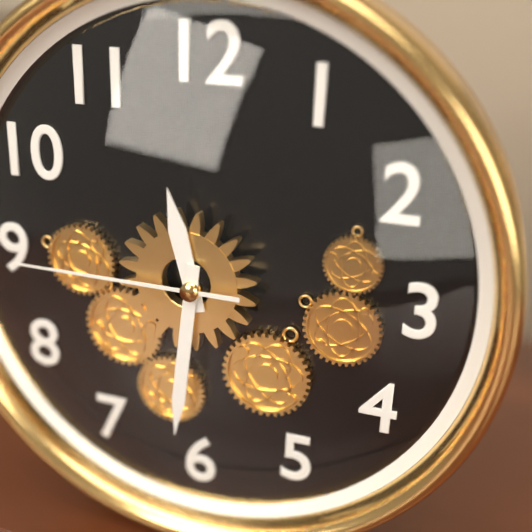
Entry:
11,31,45
